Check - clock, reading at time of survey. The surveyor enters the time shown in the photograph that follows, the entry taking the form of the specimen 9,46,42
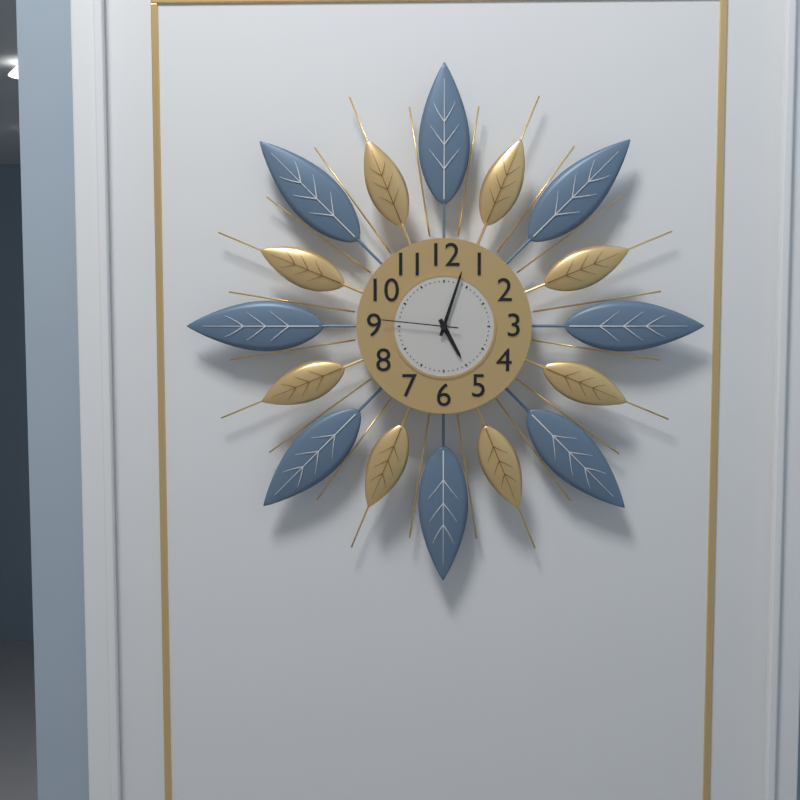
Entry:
5,03,46
